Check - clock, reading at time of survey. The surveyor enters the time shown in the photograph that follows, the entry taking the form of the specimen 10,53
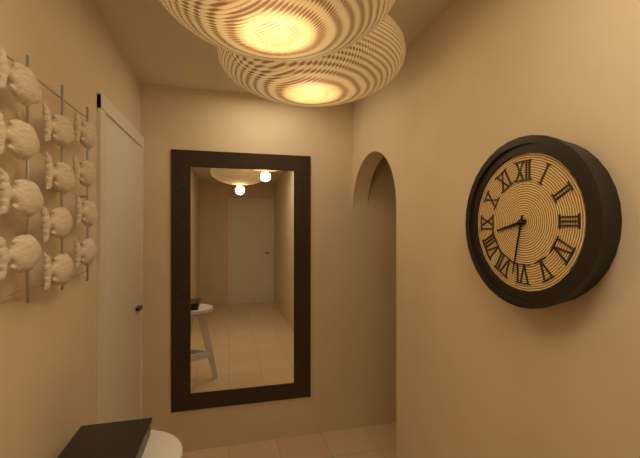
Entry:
8,32
